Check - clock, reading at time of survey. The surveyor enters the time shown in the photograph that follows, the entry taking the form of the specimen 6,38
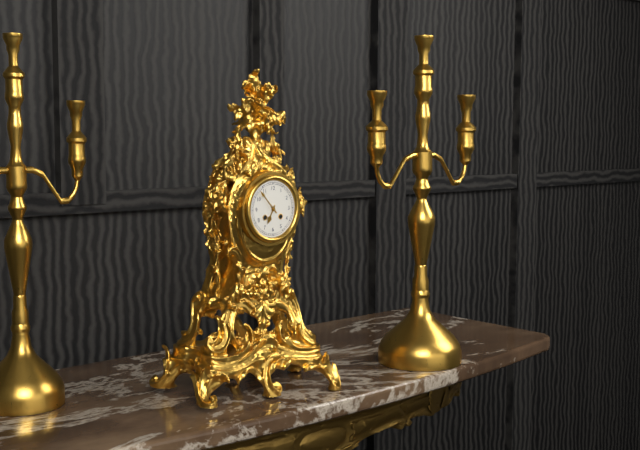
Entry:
6,53
